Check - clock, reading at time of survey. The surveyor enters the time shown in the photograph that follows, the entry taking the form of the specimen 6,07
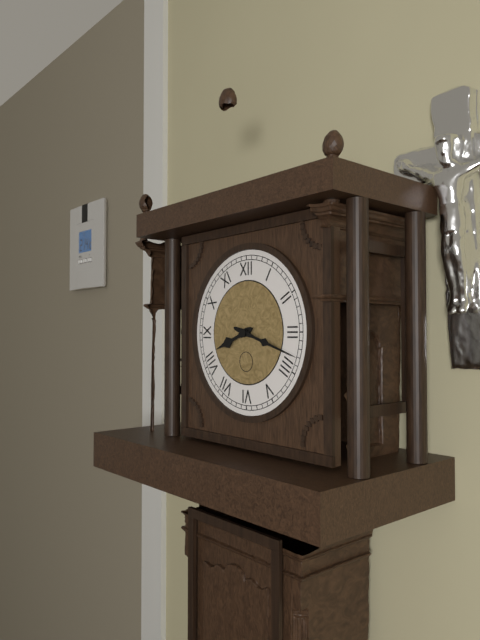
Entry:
8,18
